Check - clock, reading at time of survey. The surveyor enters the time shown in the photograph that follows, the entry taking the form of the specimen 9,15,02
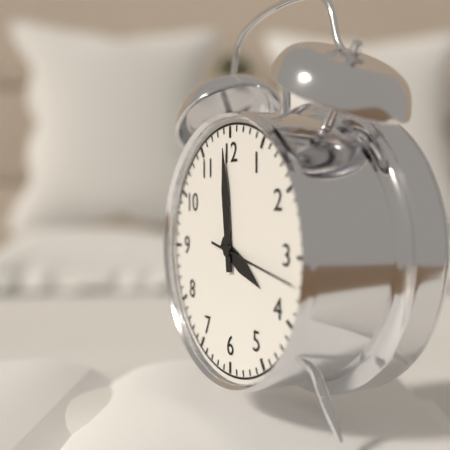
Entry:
3,59,17
